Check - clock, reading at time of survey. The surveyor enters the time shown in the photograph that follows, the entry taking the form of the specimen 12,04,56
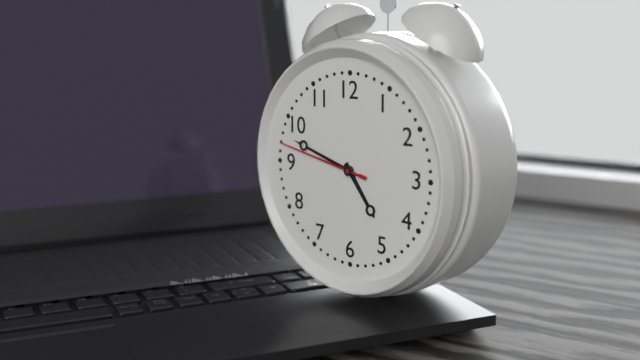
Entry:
4,48,47
